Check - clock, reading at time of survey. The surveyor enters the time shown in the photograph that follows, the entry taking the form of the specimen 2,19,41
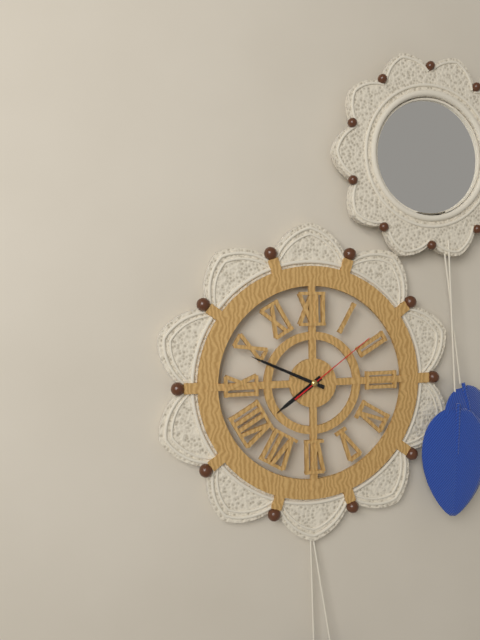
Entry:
7,49,09
